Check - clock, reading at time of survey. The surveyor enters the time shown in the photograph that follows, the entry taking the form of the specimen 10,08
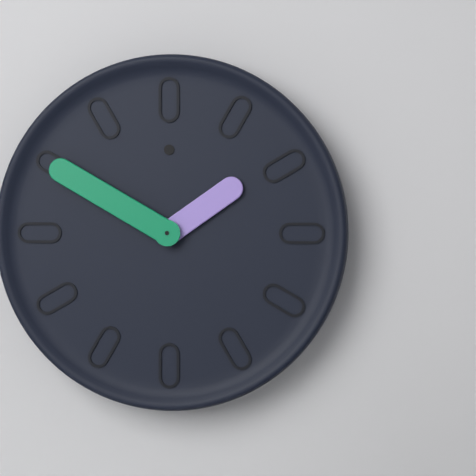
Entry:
1,50
